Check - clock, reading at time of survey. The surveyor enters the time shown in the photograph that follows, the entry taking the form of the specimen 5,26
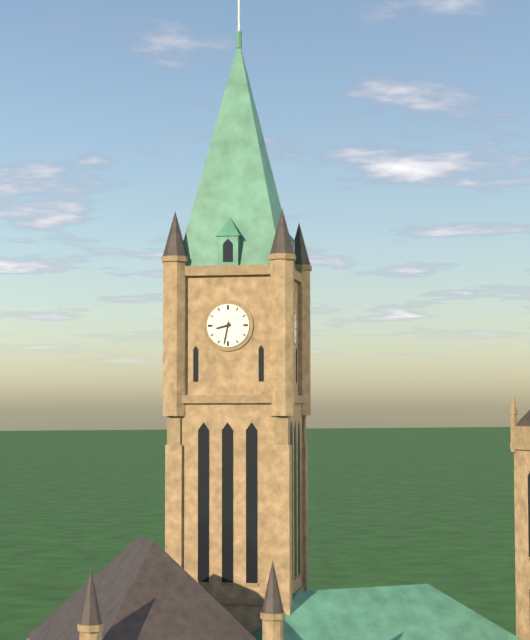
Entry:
8,32
